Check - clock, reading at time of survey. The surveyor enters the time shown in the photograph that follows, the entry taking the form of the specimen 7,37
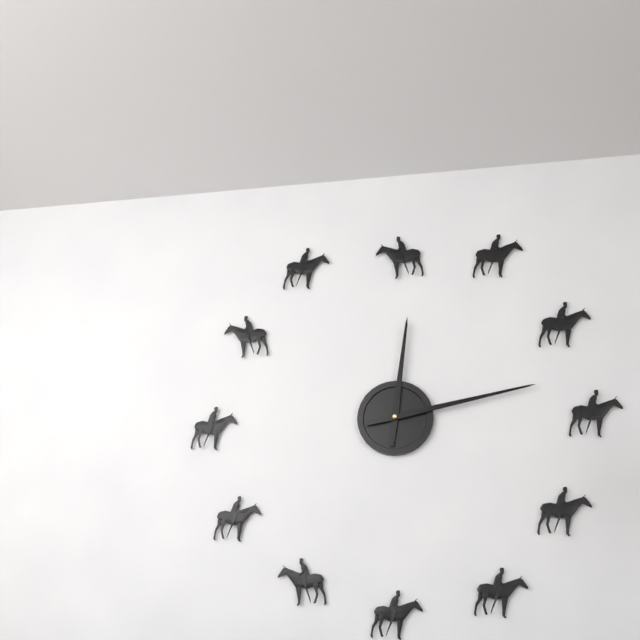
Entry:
12,13
